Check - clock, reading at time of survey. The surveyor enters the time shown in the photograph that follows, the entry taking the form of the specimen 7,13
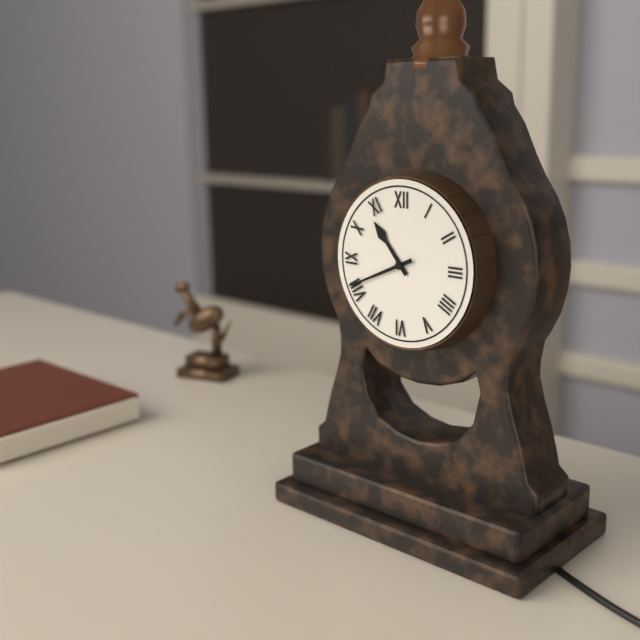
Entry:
10,41
